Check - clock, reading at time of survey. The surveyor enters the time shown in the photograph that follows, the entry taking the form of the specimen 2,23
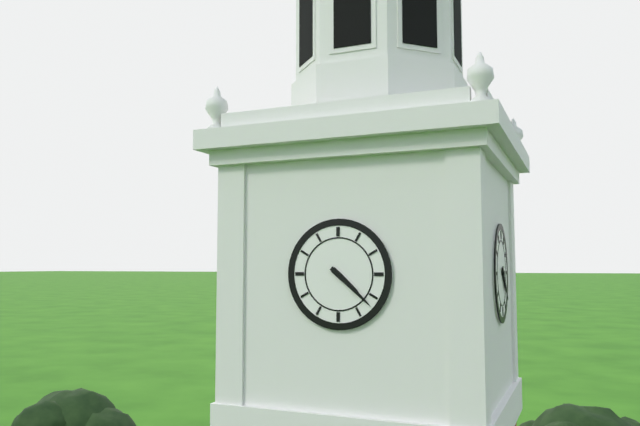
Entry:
4,22
